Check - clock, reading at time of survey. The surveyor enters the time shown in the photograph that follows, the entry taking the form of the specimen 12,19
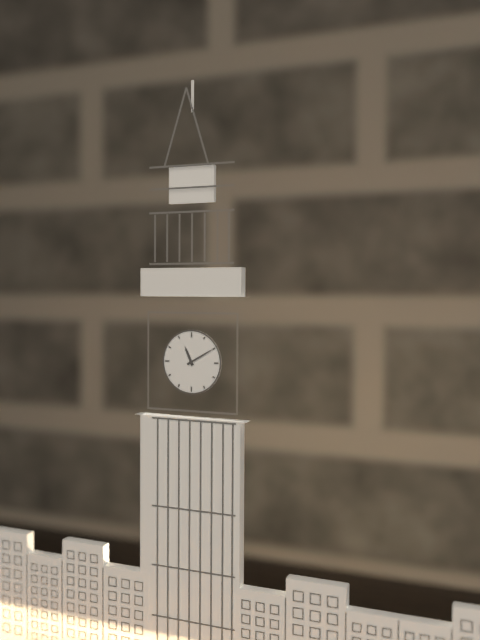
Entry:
11,10
